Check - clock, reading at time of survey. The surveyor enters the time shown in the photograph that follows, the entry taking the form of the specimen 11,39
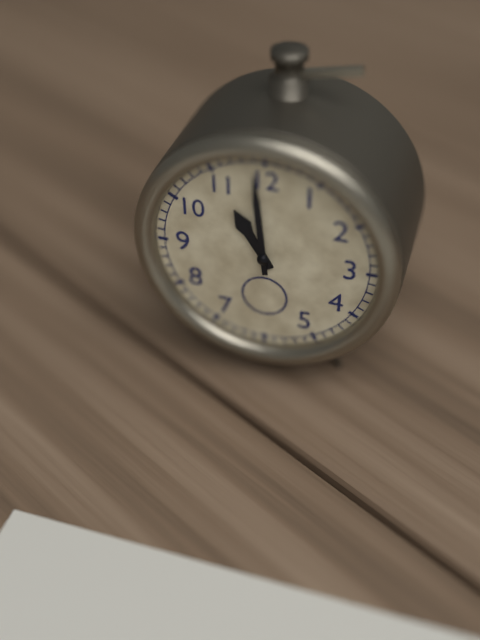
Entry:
10,59
